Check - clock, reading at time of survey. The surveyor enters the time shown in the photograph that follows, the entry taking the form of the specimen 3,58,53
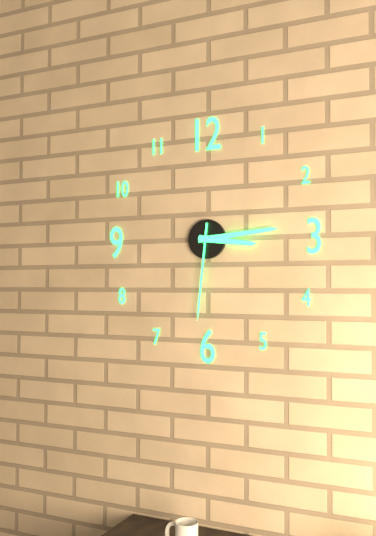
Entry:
3,14,31
